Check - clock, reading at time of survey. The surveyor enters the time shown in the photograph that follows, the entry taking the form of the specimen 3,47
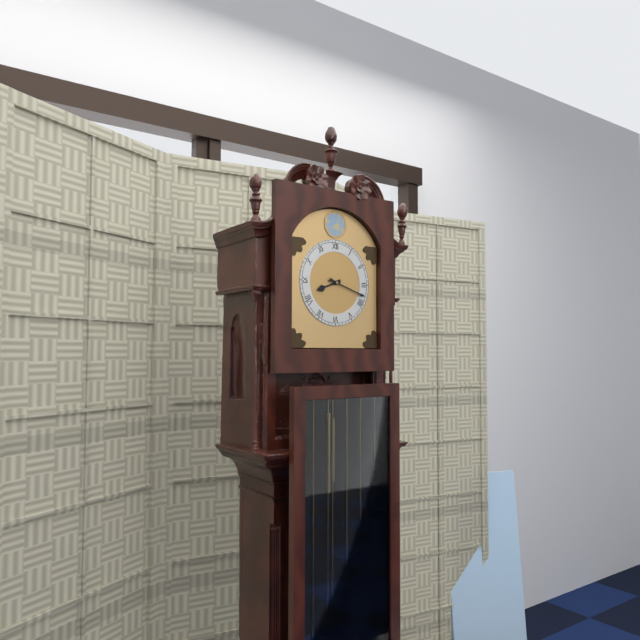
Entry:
8,18
